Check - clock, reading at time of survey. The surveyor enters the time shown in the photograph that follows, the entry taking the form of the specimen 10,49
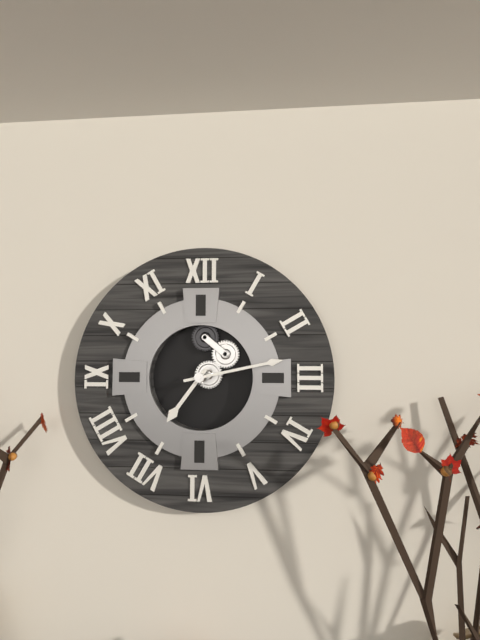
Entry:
7,13
